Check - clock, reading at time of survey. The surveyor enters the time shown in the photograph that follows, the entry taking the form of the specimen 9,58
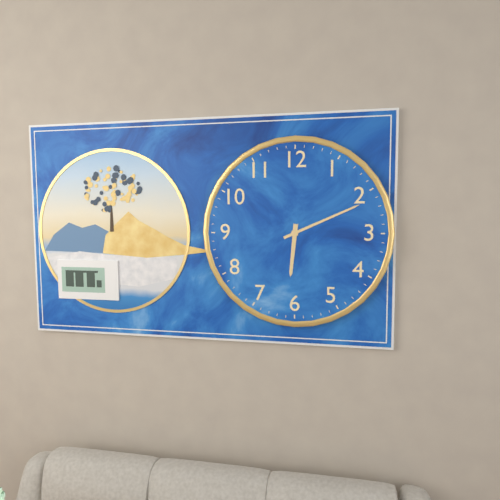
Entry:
6,11
